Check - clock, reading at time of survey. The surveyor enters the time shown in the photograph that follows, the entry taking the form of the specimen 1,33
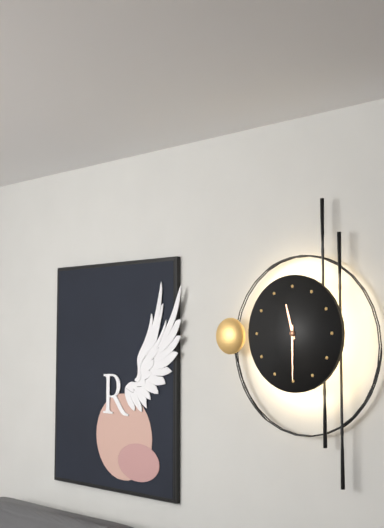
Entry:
11,30
